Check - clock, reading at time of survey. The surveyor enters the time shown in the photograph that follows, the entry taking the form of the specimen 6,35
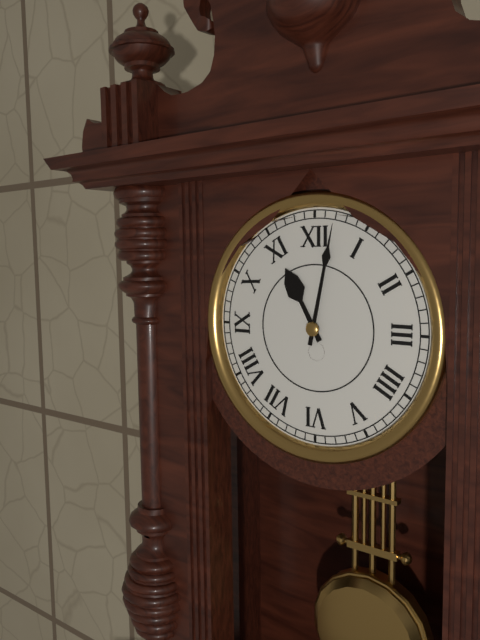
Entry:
11,02
